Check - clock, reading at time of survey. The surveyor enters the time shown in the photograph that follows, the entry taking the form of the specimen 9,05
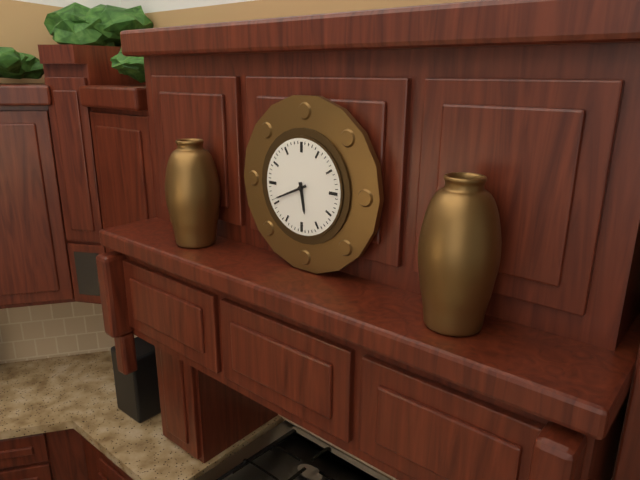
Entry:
5,41
